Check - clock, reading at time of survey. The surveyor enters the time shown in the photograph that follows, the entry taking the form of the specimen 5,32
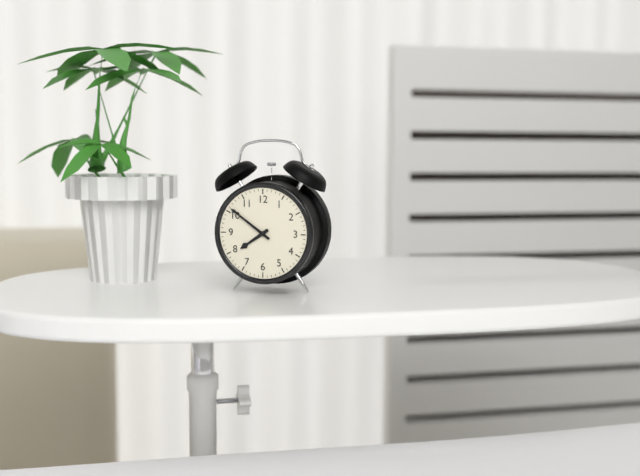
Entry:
7,51
